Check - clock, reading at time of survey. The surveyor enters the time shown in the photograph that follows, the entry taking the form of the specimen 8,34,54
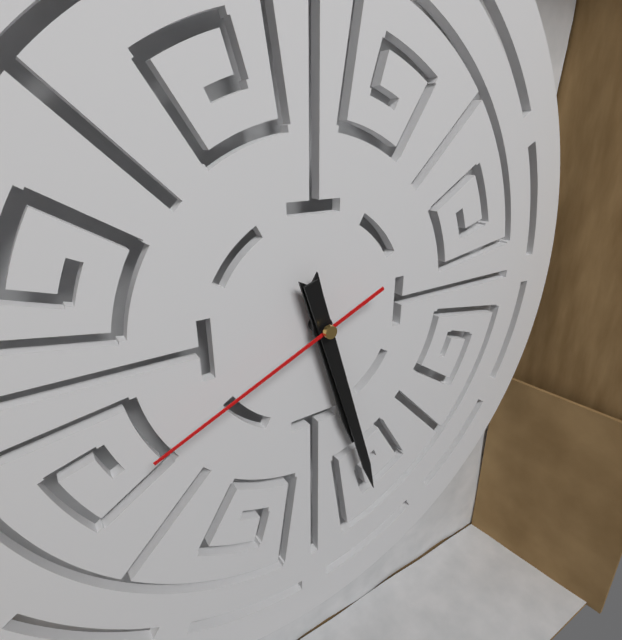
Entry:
5,27,41
